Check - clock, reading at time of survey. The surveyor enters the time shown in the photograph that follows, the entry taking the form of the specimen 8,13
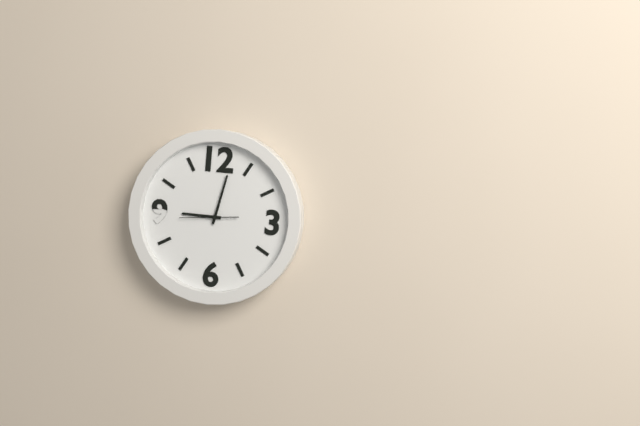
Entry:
9,02
